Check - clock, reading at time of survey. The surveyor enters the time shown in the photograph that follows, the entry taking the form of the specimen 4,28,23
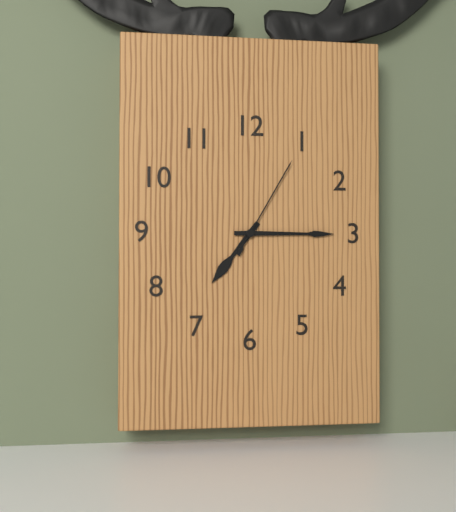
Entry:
7,15,05
